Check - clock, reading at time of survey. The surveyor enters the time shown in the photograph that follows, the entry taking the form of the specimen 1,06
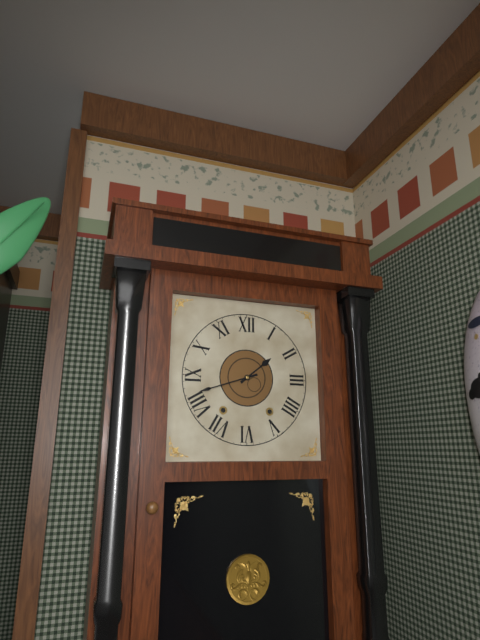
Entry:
1,42
